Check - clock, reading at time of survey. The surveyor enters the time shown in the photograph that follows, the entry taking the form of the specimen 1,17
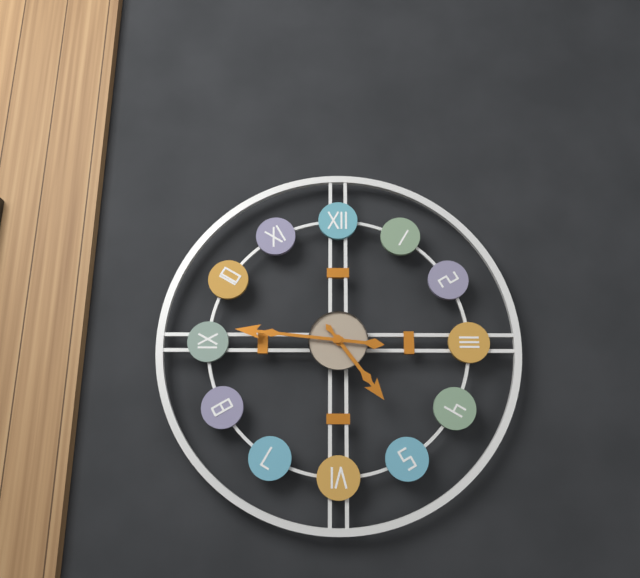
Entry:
4,46
